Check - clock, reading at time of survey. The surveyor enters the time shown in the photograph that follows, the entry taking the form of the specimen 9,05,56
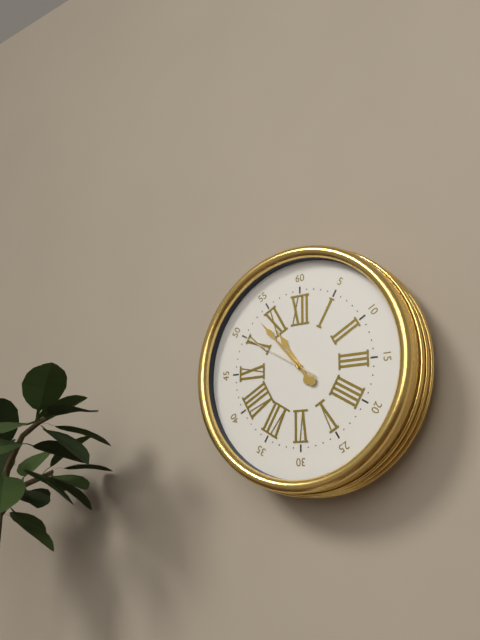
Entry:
10,53,50
